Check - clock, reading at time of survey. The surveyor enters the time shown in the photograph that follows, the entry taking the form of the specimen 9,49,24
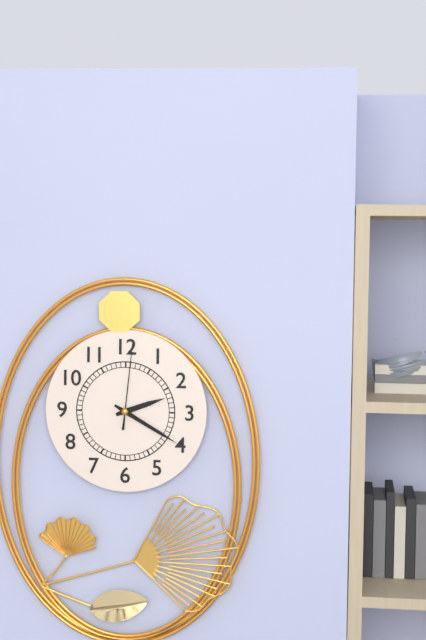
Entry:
2,20,01
